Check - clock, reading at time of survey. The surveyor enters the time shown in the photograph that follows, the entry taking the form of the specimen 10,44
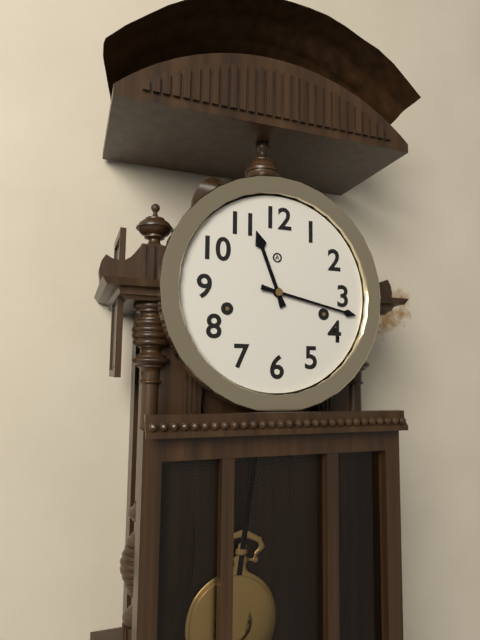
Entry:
11,17
